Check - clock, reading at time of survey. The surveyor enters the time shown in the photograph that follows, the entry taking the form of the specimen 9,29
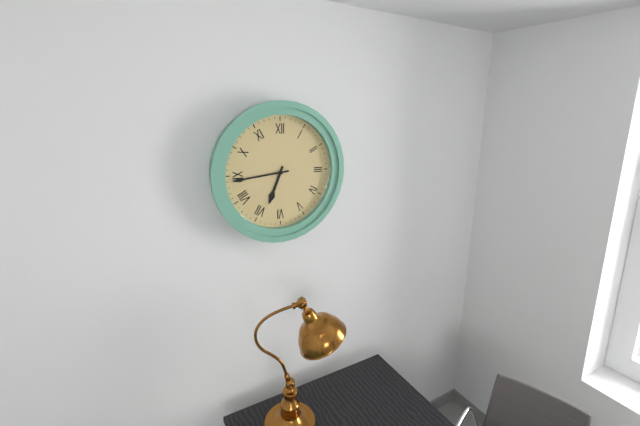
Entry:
6,44
